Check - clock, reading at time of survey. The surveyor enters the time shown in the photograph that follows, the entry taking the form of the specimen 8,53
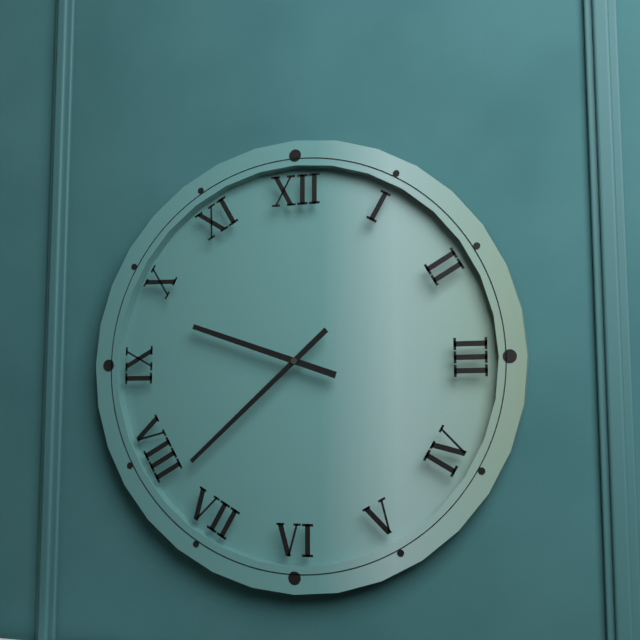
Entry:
9,38
